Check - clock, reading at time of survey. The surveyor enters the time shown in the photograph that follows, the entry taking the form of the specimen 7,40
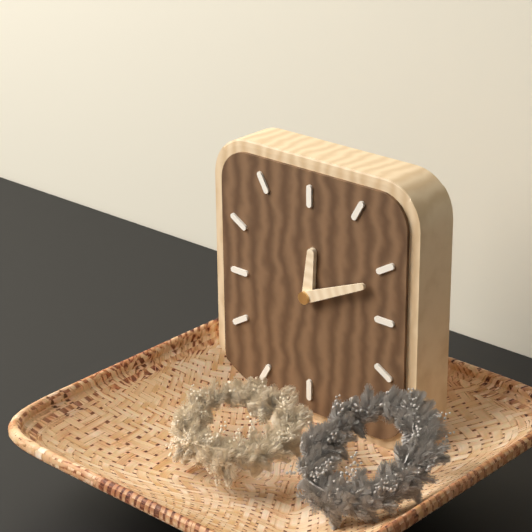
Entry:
12,11
